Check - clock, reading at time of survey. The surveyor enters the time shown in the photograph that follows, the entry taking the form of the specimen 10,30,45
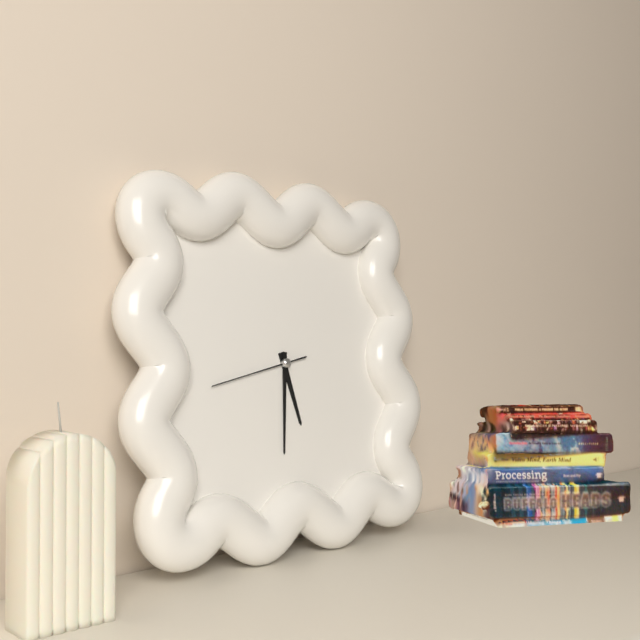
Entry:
5,31,43
